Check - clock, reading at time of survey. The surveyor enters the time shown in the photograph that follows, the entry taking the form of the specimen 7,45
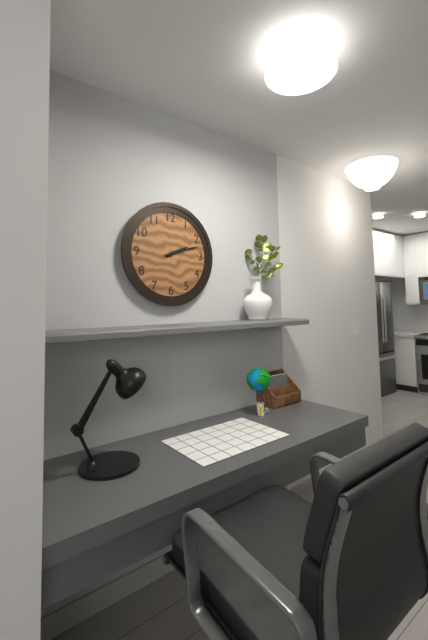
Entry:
2,12
